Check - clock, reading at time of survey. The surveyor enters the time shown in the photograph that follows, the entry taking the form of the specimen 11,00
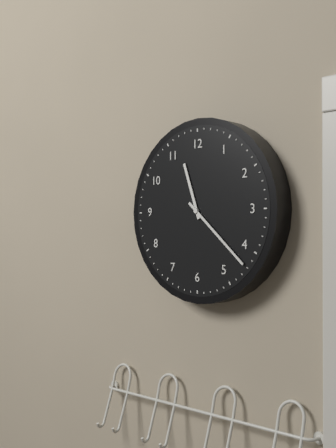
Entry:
11,22
